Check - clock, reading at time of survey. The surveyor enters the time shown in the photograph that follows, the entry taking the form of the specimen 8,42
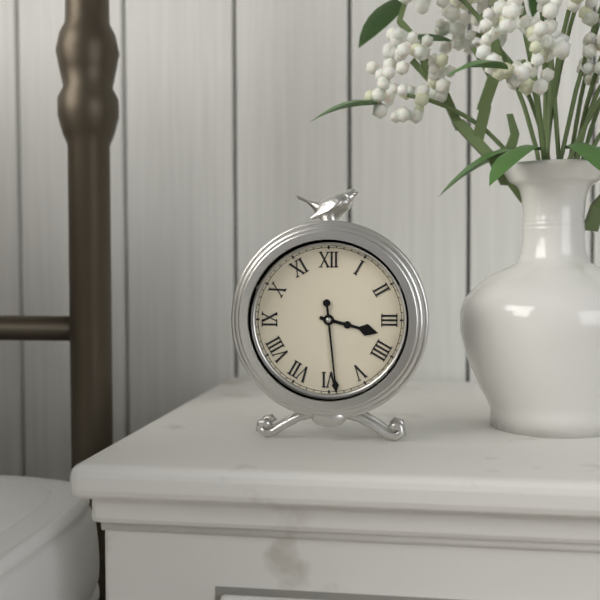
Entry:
3,29
